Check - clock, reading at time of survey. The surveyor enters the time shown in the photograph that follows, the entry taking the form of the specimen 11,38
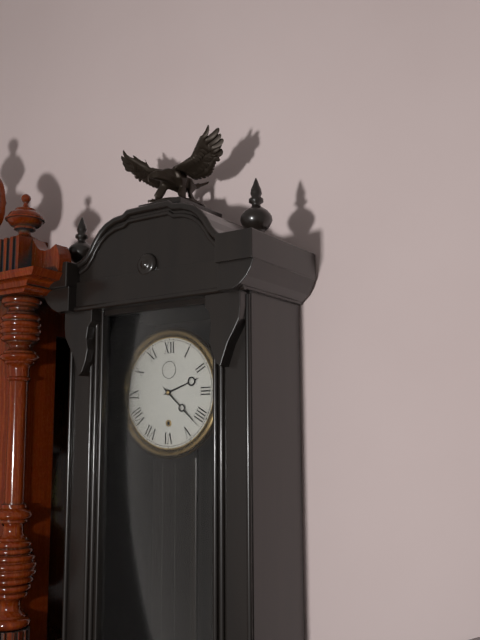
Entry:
2,22
